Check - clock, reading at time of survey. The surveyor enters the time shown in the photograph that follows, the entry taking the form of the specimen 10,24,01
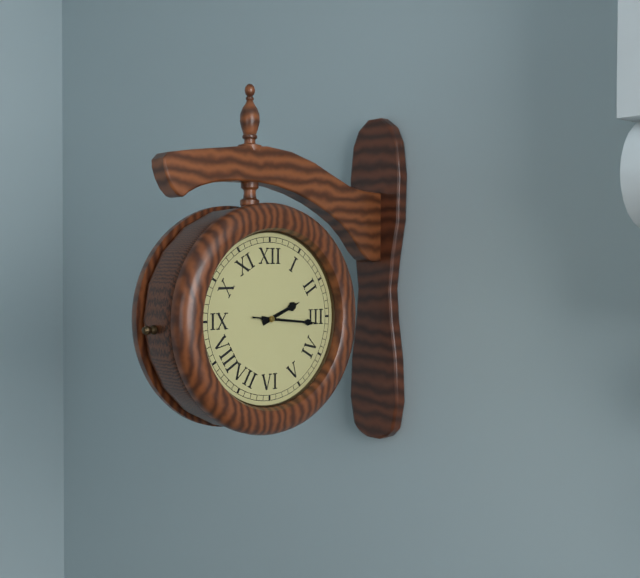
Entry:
2,16,16
